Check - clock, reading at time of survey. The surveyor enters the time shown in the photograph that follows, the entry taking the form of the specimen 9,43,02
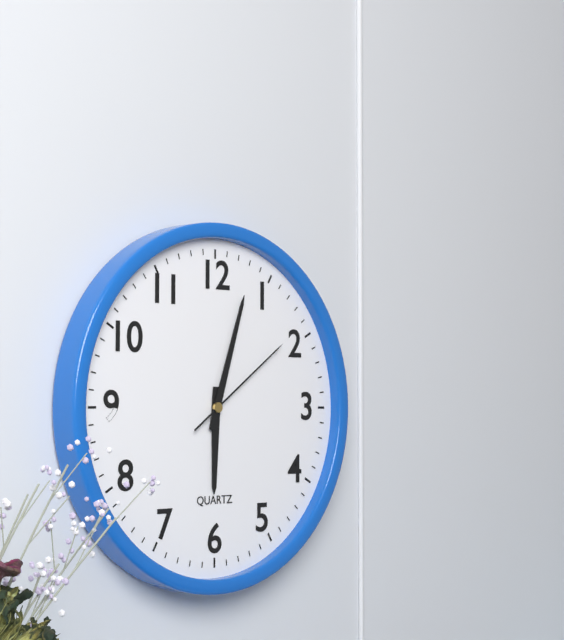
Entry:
6,03,09
